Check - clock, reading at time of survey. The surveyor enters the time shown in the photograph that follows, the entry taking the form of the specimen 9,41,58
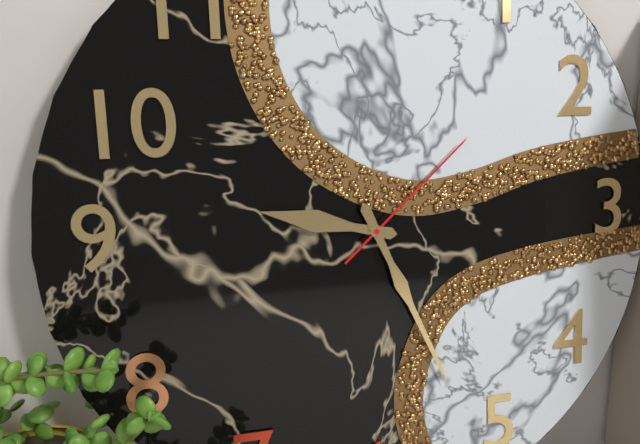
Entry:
9,26,08
